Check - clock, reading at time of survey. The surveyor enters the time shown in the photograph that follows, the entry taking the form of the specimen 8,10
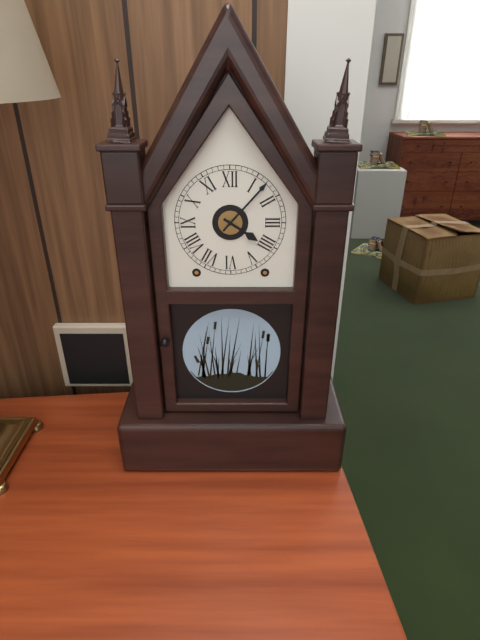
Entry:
4,07
